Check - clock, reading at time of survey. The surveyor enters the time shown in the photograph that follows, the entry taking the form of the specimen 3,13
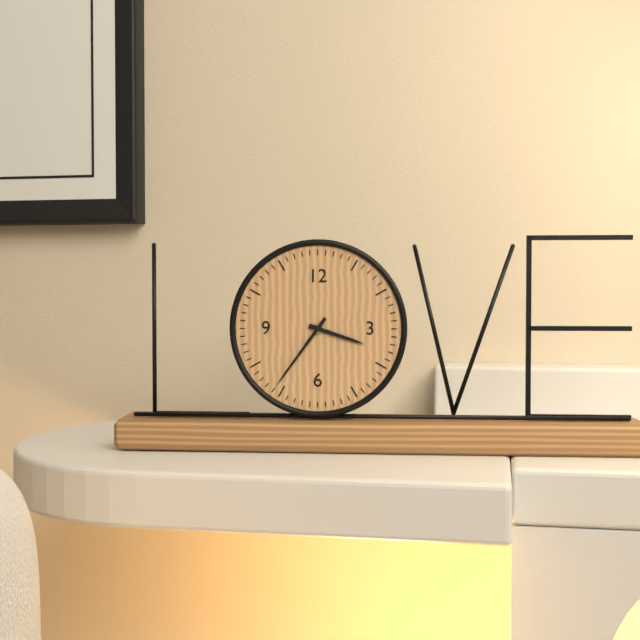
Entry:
3,36
